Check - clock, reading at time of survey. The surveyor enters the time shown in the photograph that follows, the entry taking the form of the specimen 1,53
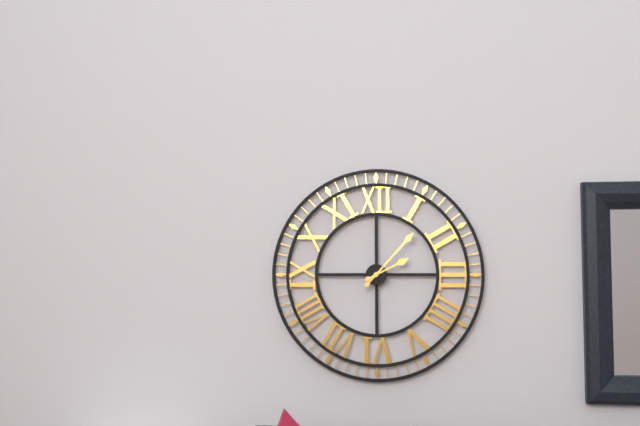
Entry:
2,07
